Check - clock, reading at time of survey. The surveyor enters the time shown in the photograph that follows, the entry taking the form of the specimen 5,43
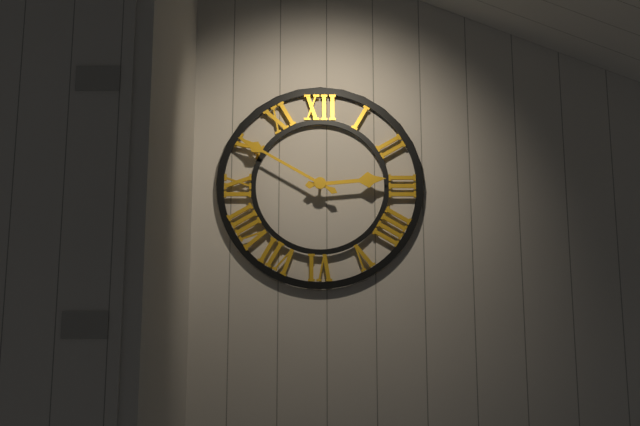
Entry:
2,50
